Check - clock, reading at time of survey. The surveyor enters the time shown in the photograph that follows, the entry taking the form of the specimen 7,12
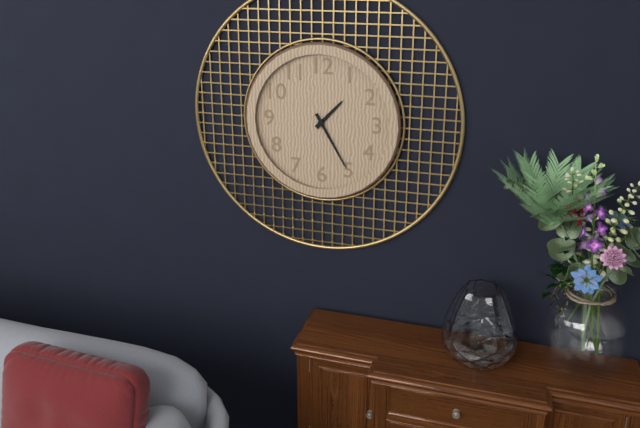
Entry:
1,25
